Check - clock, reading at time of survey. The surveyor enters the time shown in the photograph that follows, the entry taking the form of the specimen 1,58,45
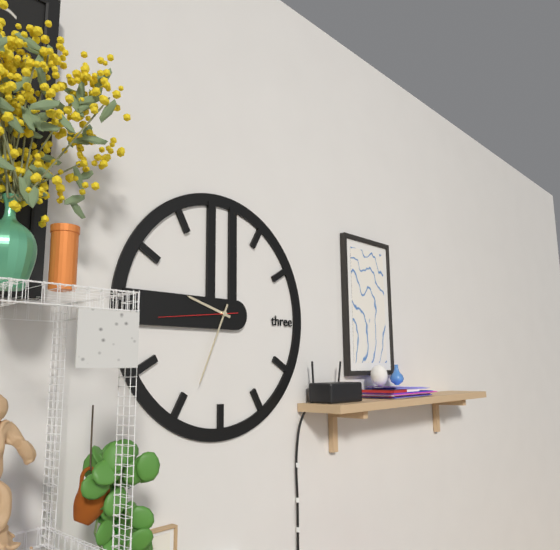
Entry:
9,34,44
